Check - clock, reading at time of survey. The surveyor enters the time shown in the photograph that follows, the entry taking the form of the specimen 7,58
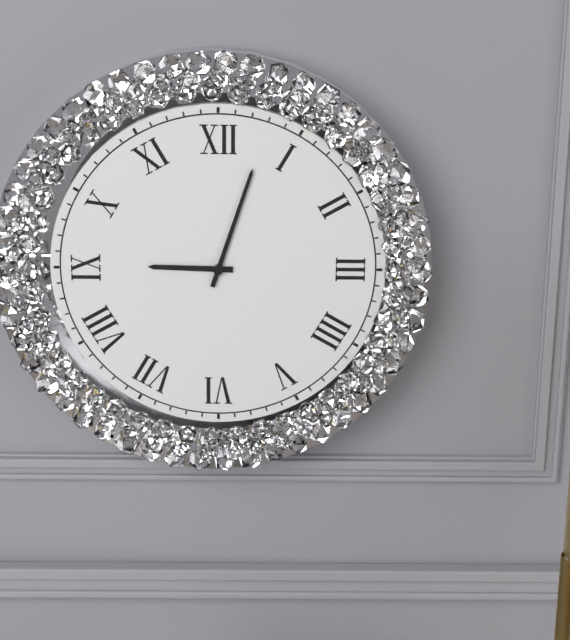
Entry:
9,03
